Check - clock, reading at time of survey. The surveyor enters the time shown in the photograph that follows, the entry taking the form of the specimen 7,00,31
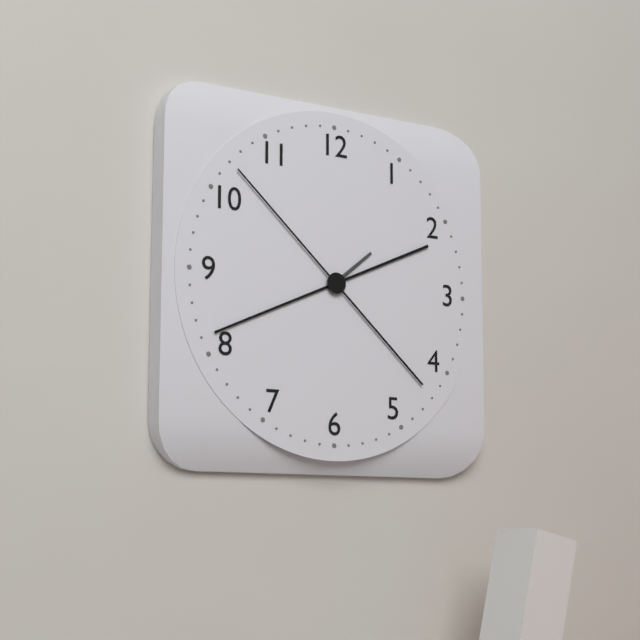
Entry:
1,41,52
